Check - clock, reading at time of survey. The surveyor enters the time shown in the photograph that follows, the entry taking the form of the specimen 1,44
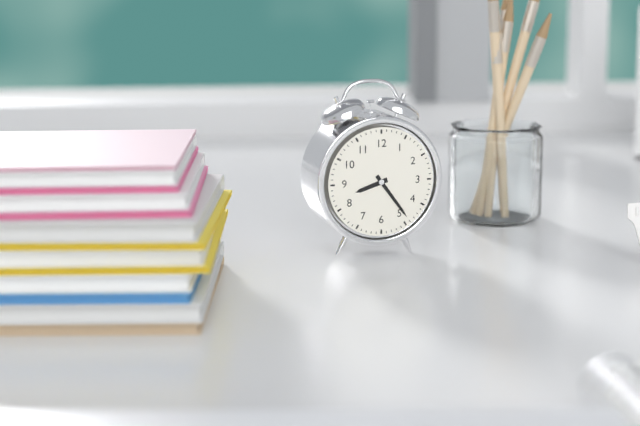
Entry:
8,24
